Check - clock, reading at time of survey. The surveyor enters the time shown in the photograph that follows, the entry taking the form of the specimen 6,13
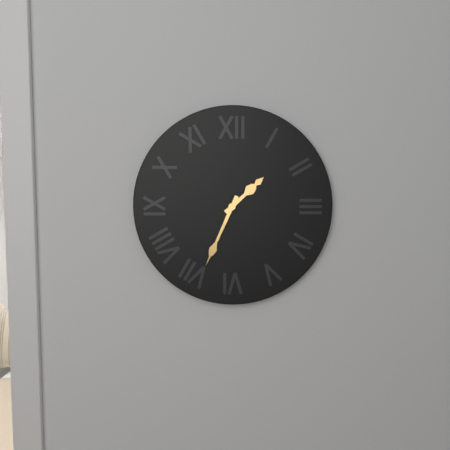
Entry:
1,34
